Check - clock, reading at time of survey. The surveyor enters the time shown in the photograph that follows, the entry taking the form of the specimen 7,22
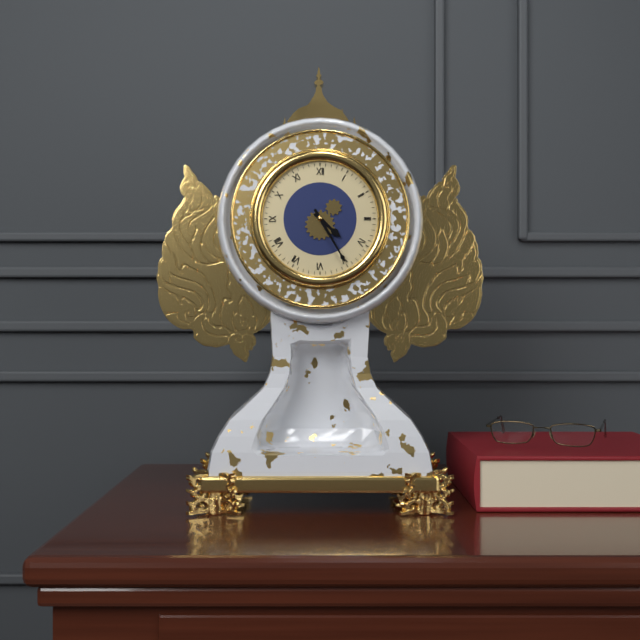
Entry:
4,25
